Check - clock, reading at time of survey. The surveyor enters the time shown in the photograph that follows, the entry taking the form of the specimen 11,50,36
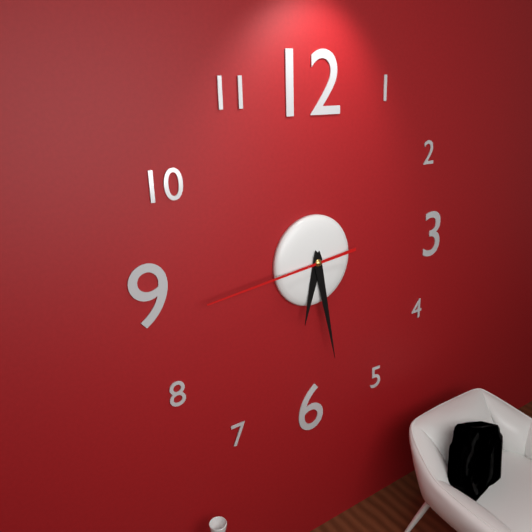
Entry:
6,28,44
